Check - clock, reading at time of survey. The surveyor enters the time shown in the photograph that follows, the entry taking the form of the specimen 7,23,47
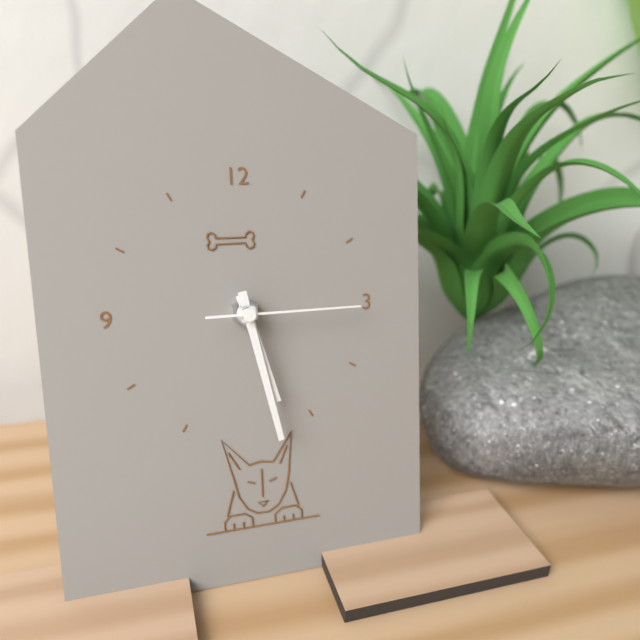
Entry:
5,28,15
